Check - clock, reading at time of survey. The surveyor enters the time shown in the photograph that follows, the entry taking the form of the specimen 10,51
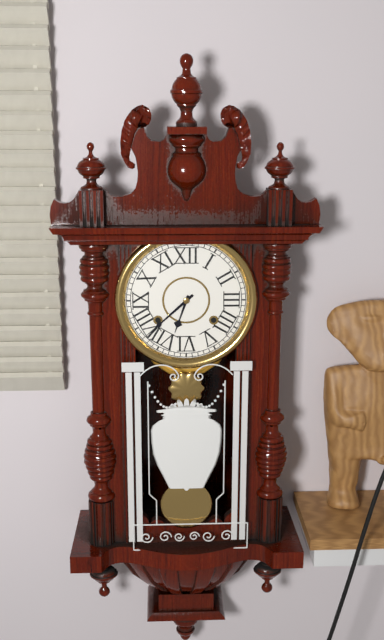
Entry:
6,38
